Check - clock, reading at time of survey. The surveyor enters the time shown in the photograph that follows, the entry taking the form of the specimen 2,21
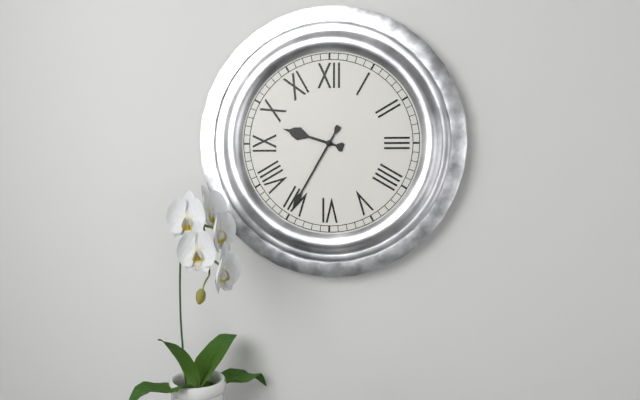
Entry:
9,35
